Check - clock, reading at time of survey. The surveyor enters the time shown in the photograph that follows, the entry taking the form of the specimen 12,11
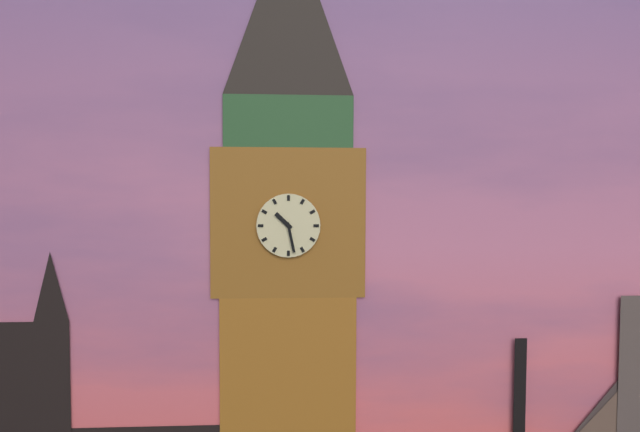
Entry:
10,28
